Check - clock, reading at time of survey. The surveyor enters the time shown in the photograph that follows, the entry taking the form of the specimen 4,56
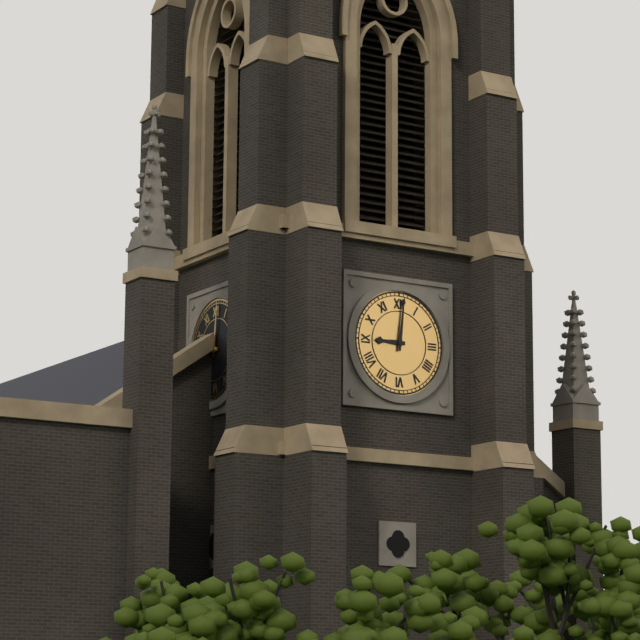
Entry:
9,01
